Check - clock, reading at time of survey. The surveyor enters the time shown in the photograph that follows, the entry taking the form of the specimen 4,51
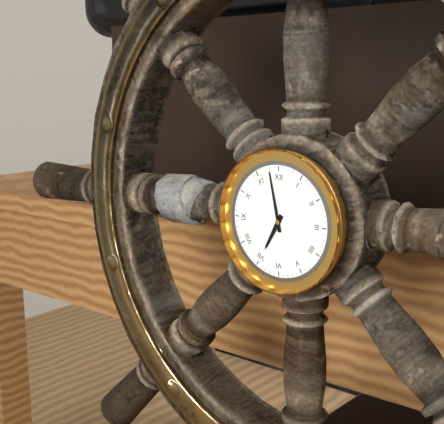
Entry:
6,58
